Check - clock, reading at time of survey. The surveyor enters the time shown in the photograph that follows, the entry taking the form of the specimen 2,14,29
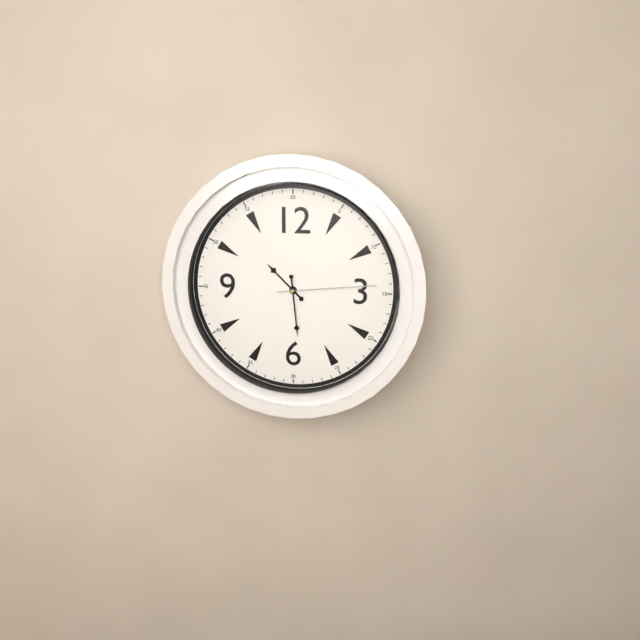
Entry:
10,29,14
